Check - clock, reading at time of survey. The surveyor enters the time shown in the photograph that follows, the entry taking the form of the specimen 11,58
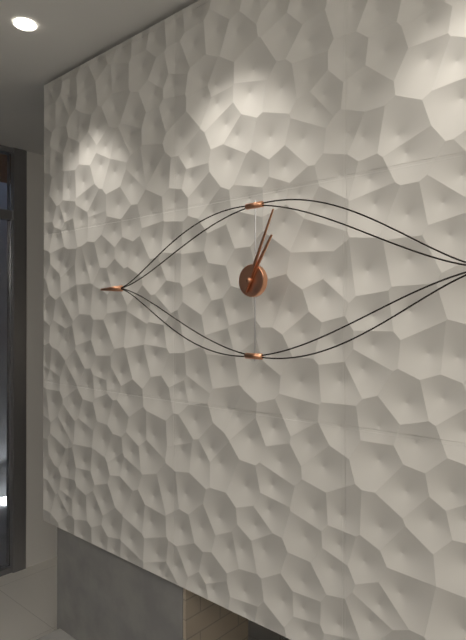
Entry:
1,04
